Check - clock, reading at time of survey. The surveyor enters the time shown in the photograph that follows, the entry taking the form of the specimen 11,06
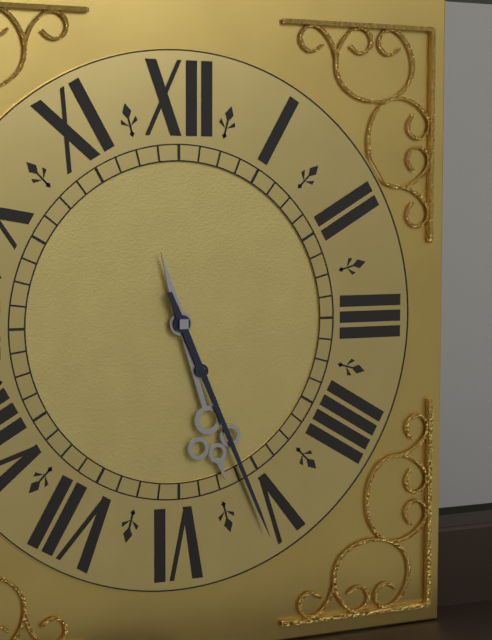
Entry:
5,26
